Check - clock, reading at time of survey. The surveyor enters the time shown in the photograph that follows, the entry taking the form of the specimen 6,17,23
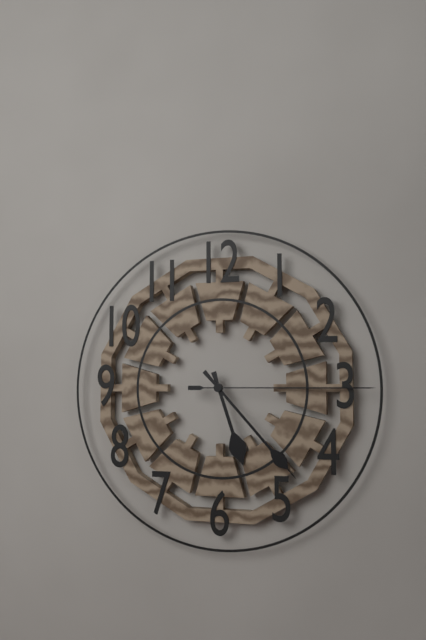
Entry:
5,23,15
